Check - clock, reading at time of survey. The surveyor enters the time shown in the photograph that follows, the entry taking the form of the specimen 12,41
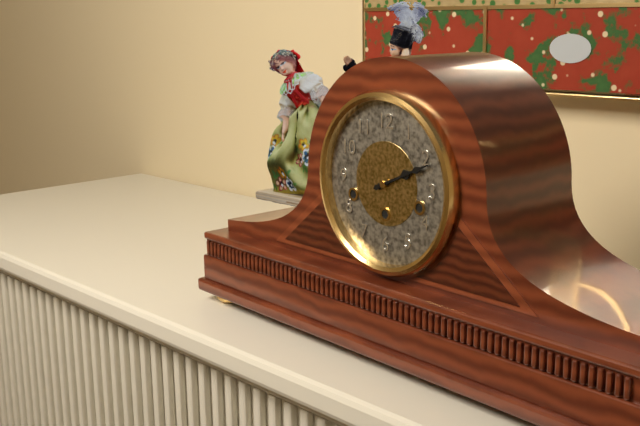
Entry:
2,11
